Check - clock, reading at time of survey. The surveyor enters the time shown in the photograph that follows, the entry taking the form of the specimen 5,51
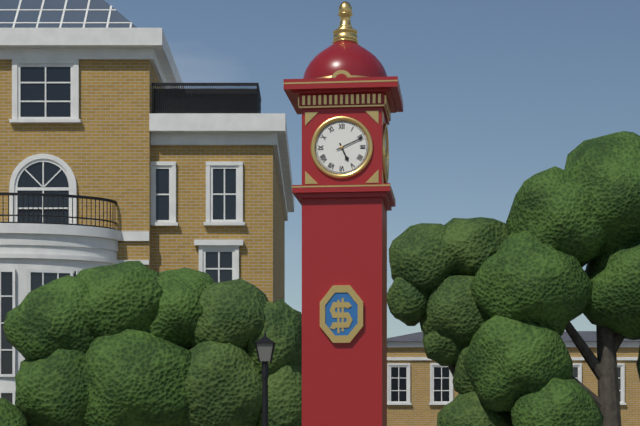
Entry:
5,11
